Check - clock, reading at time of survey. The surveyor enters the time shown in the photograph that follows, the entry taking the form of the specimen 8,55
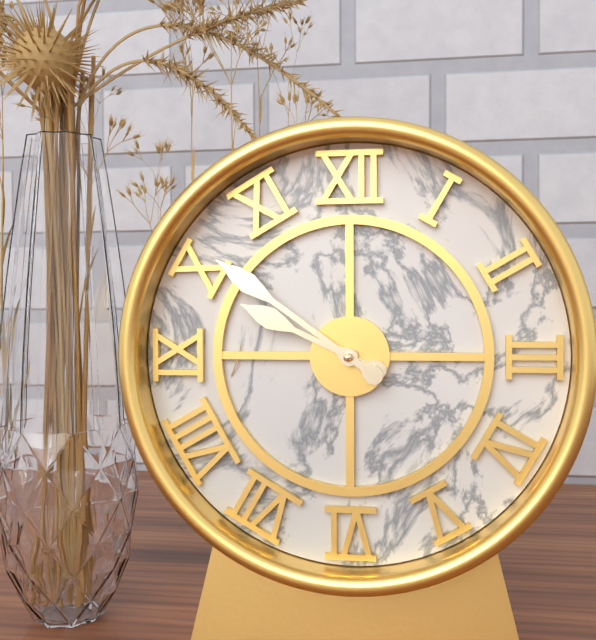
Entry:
9,51
